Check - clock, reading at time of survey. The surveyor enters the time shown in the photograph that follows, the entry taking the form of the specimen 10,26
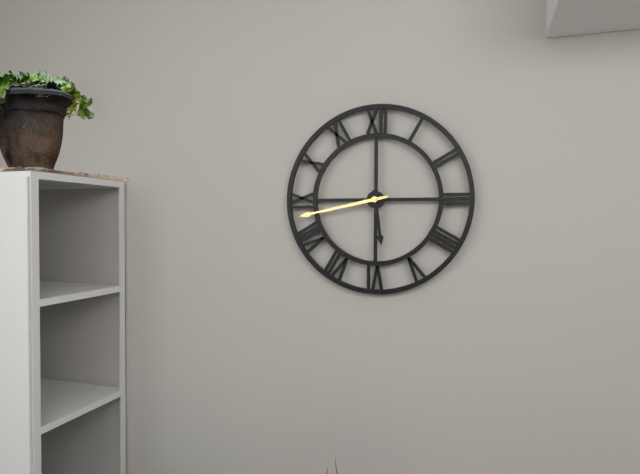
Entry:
5,43
